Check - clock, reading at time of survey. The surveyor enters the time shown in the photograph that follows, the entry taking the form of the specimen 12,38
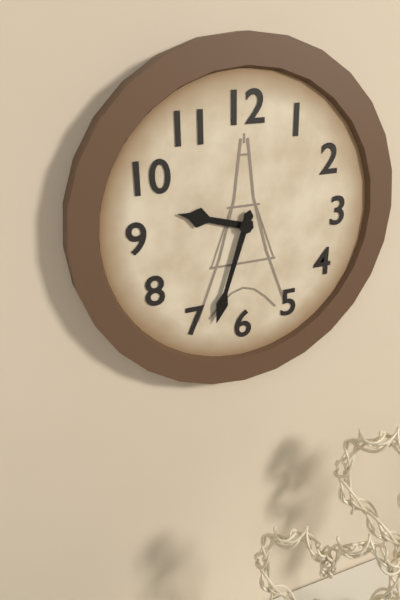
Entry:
9,33
